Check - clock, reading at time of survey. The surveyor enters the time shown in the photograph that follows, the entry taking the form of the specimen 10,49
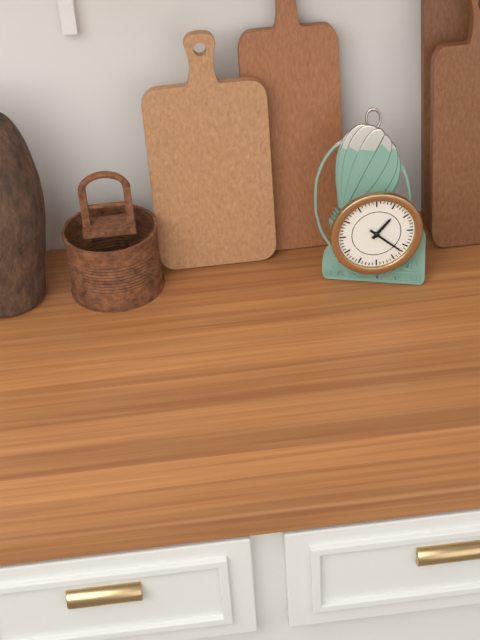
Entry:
1,22
